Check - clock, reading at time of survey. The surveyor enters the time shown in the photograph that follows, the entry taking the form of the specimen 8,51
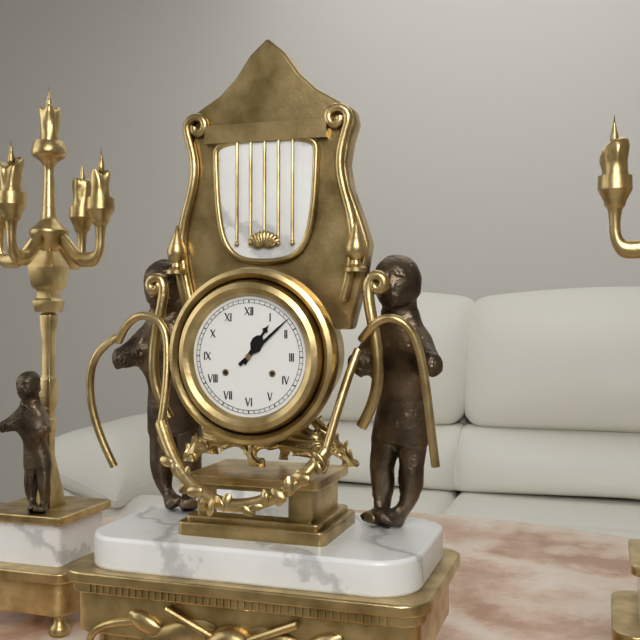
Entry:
1,08
